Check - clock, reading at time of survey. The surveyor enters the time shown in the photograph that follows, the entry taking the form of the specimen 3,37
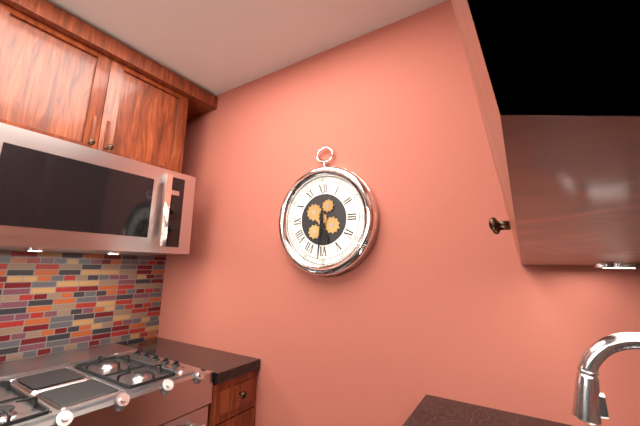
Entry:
5,31
